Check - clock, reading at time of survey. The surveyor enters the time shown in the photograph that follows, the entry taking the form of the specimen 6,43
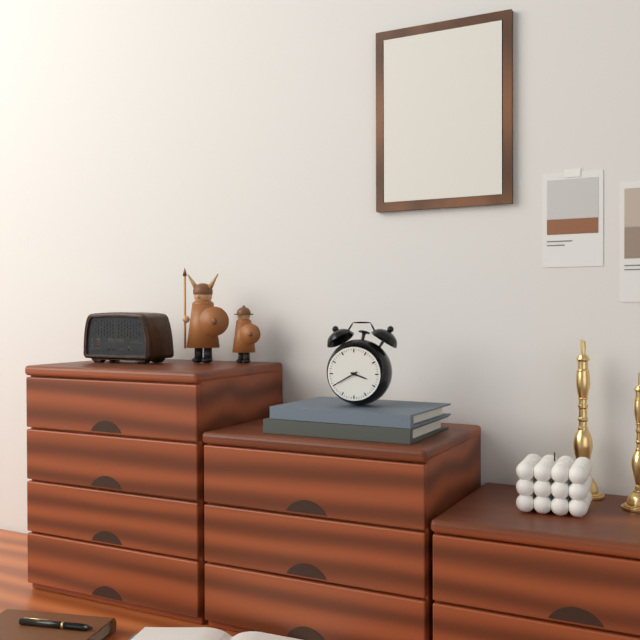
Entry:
3,40
